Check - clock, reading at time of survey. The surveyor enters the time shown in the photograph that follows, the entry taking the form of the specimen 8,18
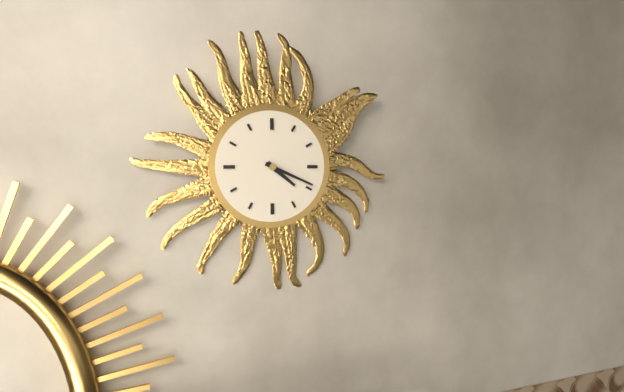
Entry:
4,19
